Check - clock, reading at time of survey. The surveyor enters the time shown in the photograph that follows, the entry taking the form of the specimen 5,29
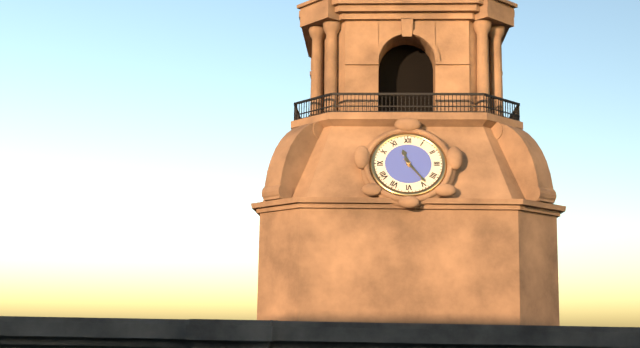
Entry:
11,24
